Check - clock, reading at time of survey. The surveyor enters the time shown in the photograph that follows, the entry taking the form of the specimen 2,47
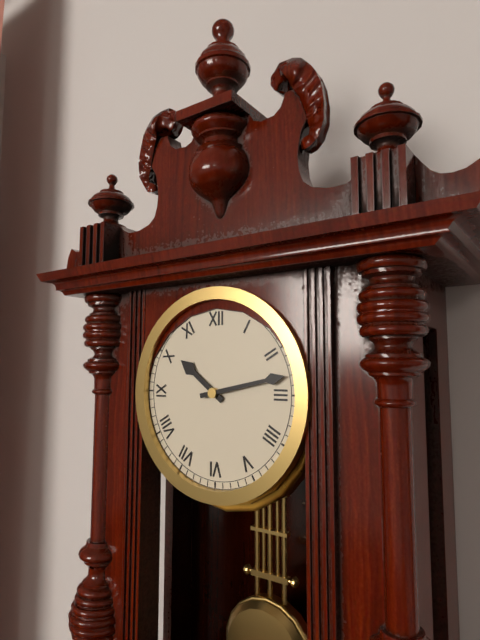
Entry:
10,13
